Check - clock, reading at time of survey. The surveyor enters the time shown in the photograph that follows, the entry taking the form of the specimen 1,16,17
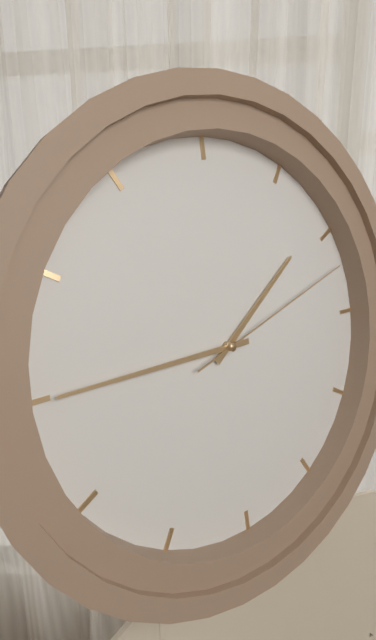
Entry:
1,45,12
